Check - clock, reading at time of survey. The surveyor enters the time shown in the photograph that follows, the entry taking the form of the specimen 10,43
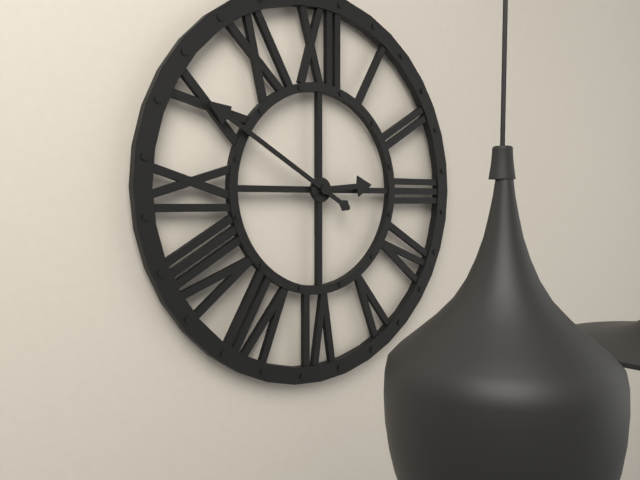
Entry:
2,50
